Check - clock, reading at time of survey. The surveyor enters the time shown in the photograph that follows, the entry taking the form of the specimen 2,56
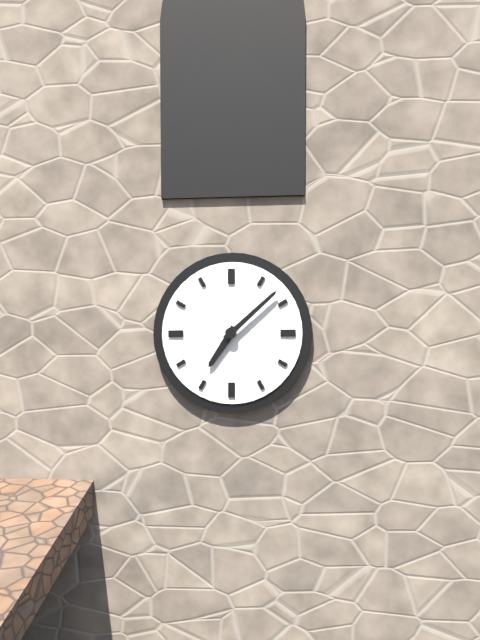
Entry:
7,08
